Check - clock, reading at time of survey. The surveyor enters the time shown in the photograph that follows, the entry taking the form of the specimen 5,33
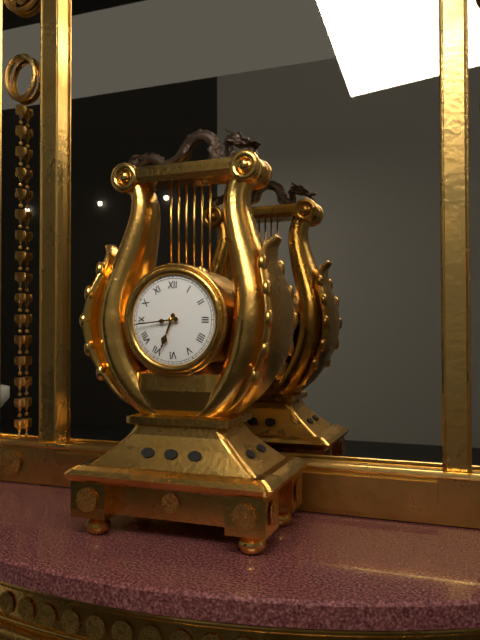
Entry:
6,44
